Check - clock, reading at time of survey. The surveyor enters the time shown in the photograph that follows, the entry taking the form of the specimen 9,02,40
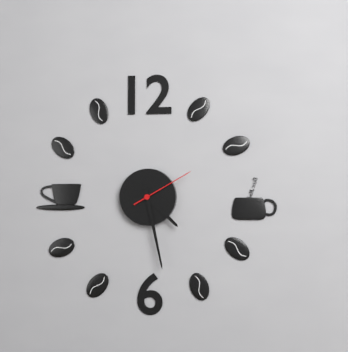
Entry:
4,28,10
